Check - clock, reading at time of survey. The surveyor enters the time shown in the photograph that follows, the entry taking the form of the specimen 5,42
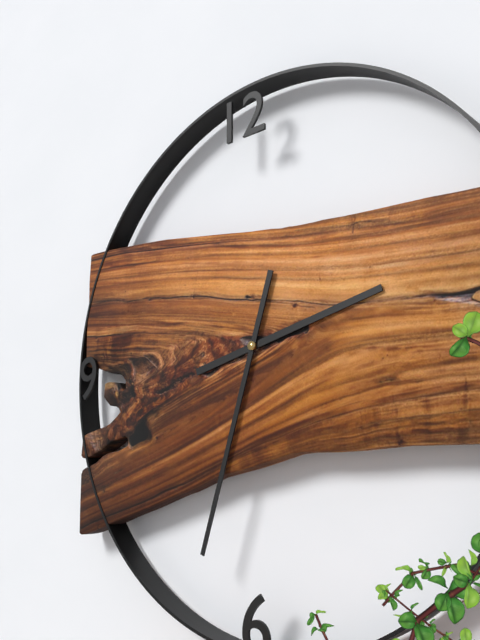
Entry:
2,33
